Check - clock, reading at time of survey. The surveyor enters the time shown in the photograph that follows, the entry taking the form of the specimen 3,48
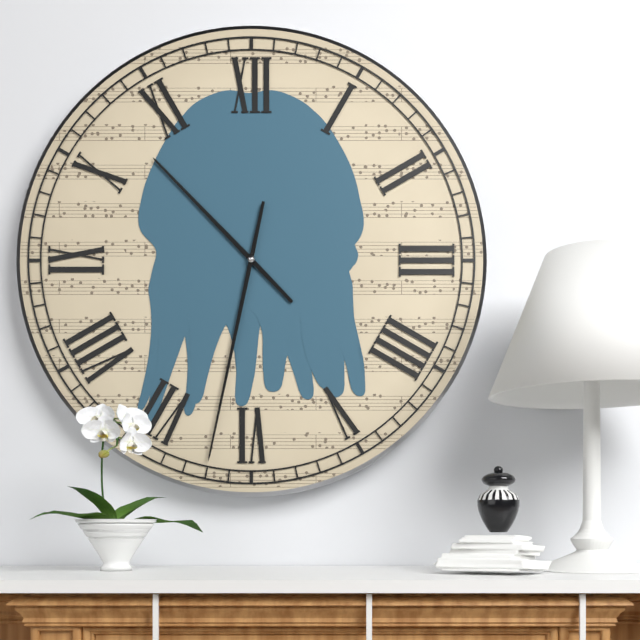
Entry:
10,32
